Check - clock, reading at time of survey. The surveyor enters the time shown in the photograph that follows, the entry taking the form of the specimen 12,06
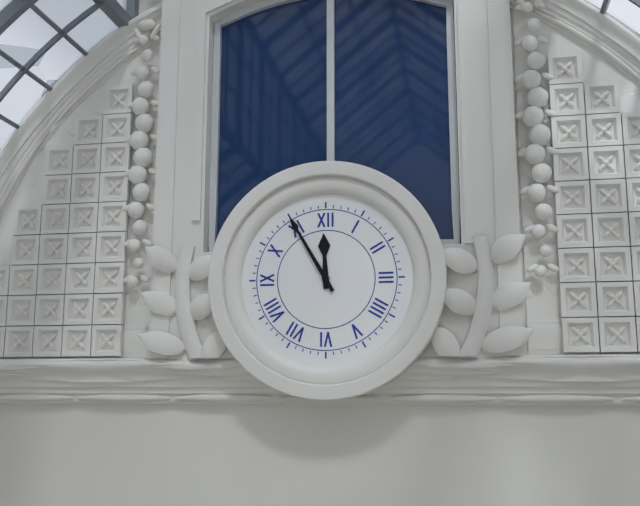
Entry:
11,55
